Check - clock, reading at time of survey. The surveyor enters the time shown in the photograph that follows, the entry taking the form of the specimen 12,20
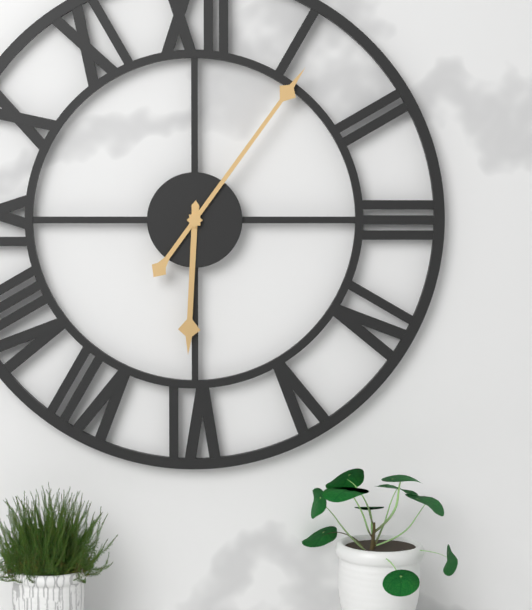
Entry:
6,06
